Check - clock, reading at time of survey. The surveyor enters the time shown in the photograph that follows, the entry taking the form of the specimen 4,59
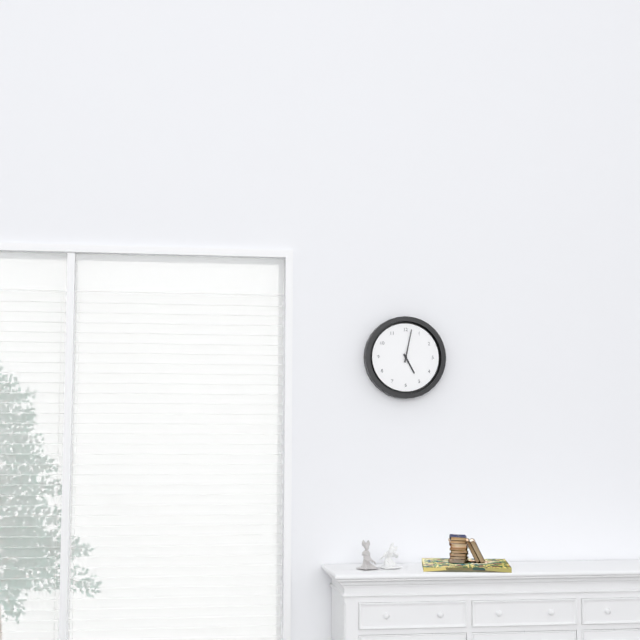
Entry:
5,02
